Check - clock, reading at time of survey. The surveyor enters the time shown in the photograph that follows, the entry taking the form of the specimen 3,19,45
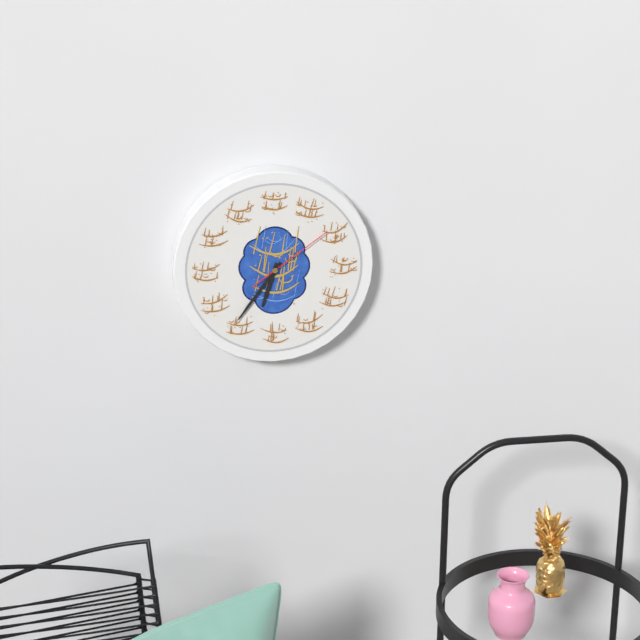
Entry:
6,36,09
